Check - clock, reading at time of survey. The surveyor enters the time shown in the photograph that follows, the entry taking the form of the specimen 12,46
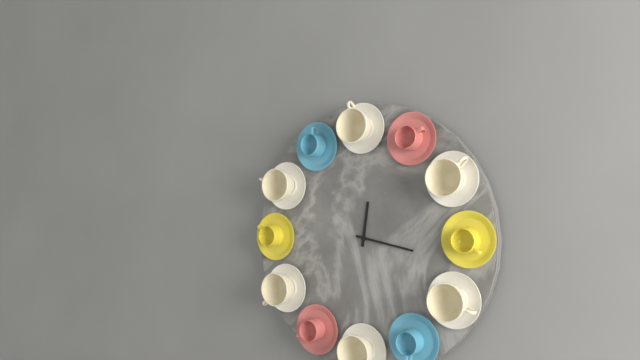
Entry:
12,17
